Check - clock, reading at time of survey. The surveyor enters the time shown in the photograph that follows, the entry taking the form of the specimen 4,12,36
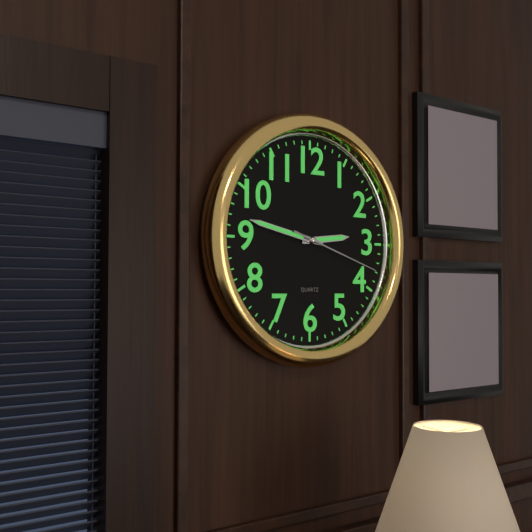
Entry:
2,47,18
